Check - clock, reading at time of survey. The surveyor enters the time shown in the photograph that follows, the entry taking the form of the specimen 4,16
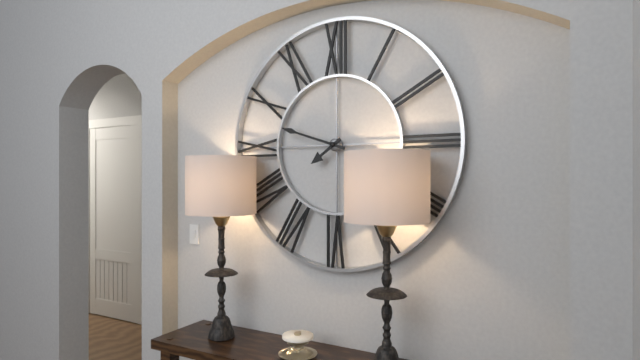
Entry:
7,48
